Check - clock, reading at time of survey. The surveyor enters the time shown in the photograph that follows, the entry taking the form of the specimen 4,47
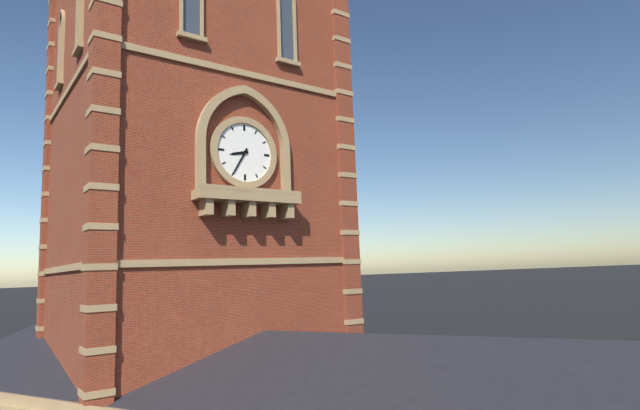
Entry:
8,35
